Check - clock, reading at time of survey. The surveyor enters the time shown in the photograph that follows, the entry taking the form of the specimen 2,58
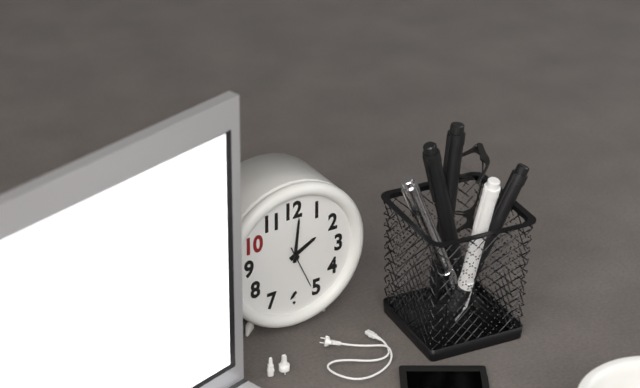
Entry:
2,01
